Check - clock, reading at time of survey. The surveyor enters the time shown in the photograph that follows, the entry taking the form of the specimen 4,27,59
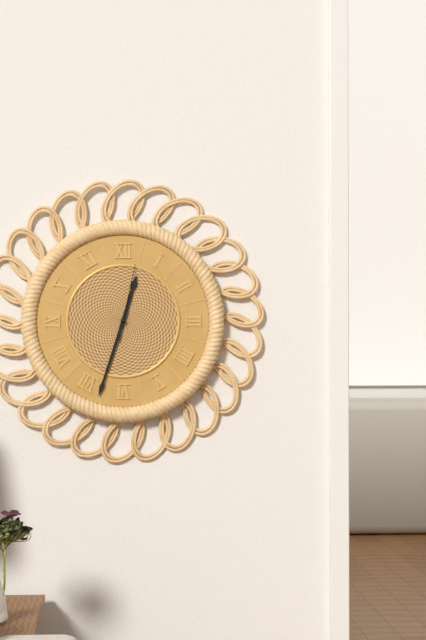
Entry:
12,33,02
